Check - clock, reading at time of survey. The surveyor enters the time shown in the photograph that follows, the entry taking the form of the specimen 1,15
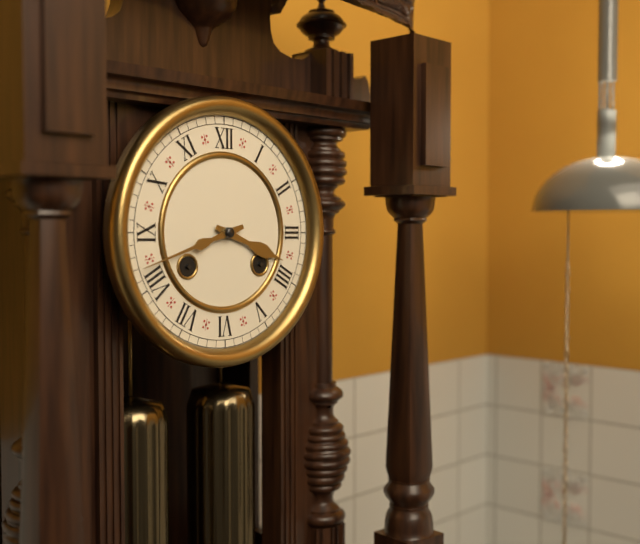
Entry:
3,42
